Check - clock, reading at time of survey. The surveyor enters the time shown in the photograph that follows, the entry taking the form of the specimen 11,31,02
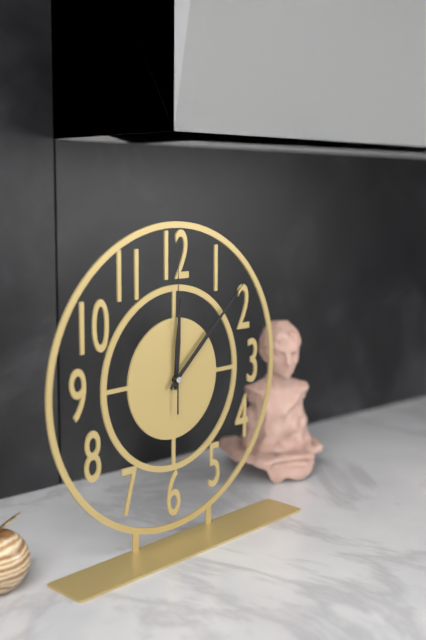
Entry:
12,08,00
